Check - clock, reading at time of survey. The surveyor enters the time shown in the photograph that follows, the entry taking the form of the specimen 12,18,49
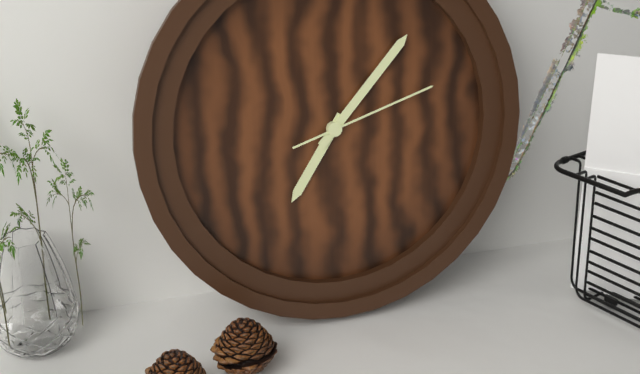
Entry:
7,07,12
